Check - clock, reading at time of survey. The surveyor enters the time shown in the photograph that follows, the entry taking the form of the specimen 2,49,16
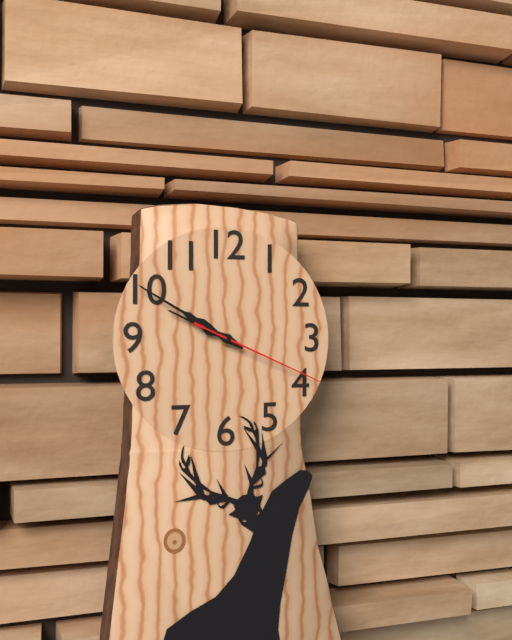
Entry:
9,50,19
